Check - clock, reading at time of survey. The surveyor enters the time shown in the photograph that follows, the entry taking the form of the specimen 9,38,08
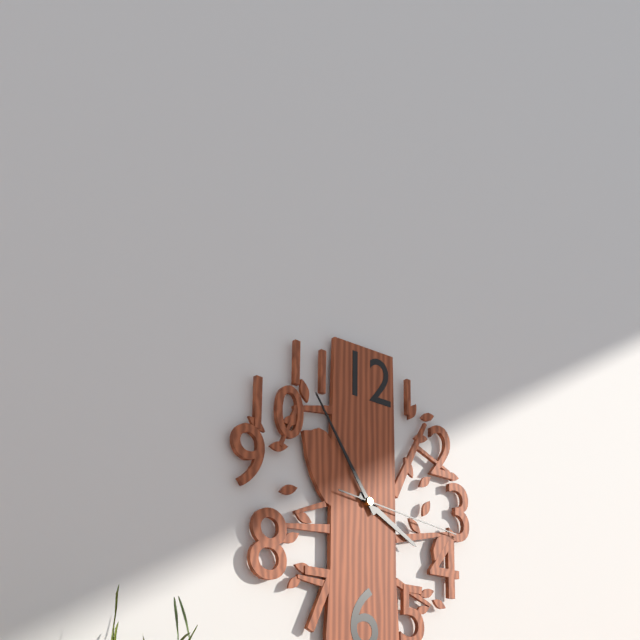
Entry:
3,54,16
